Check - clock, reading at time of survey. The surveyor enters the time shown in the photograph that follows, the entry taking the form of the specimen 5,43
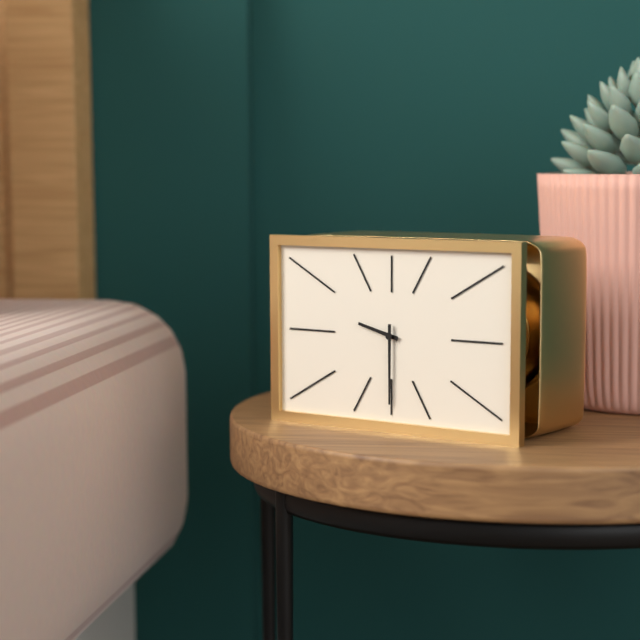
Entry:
9,30
